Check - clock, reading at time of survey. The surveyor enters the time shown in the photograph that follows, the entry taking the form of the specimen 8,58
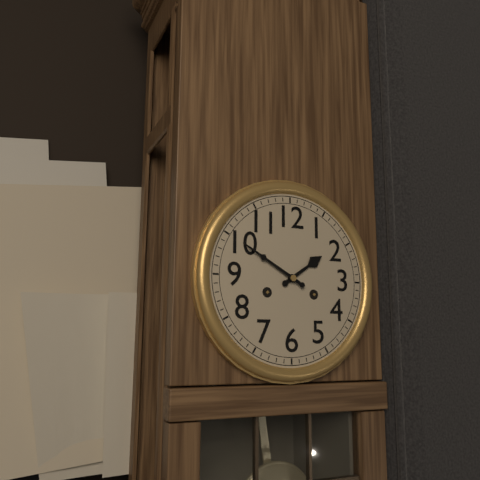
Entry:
1,50
